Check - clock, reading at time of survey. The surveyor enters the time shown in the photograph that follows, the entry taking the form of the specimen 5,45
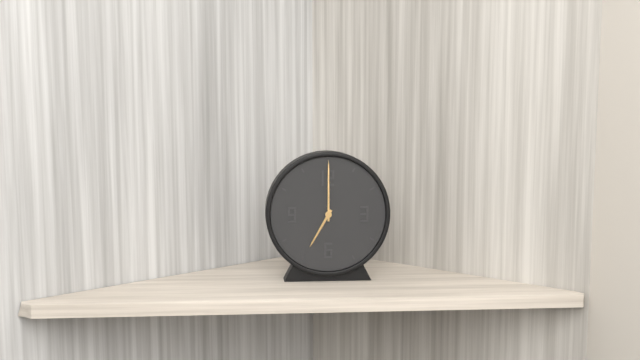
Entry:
7,00
